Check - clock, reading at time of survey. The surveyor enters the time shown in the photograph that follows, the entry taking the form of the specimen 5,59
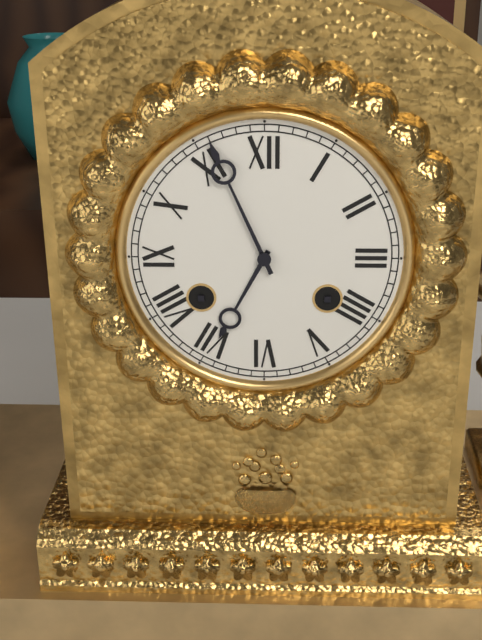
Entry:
6,56
